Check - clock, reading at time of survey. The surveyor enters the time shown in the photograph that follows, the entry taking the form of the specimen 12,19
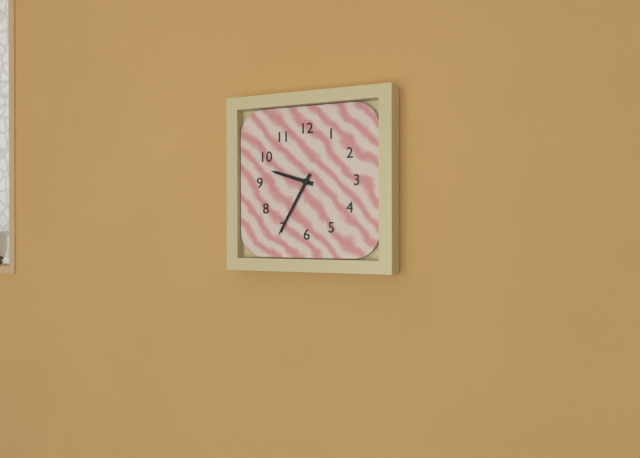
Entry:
9,35
